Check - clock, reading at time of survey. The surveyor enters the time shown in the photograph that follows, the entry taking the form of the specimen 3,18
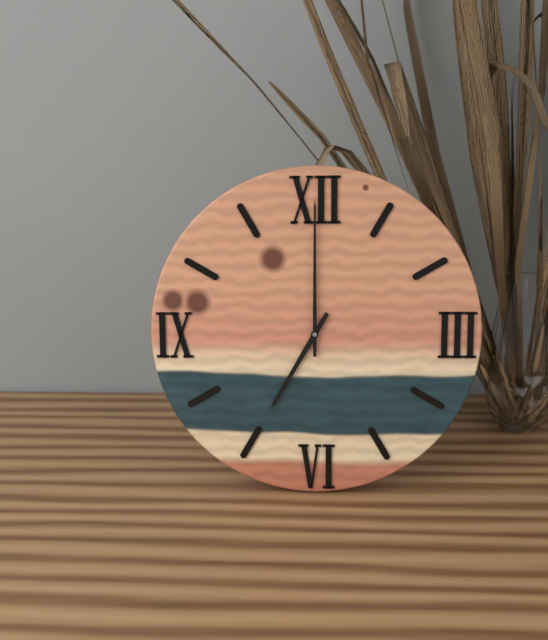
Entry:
7,00
